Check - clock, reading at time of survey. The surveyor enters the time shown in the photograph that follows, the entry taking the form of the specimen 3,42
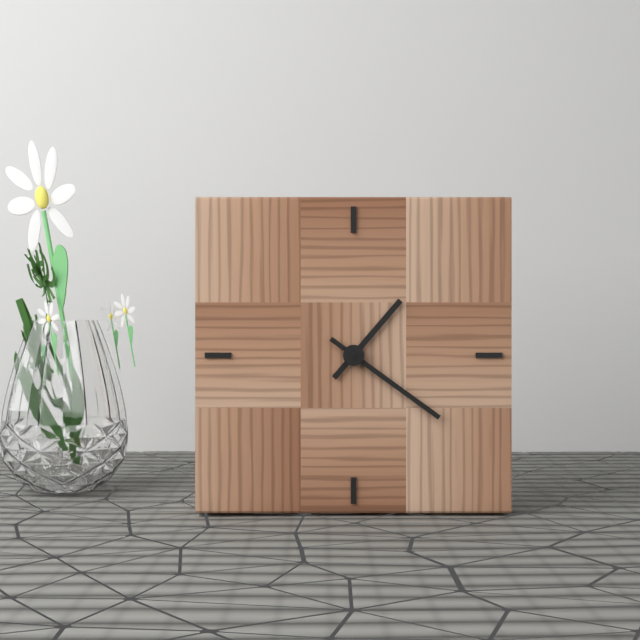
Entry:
1,21
